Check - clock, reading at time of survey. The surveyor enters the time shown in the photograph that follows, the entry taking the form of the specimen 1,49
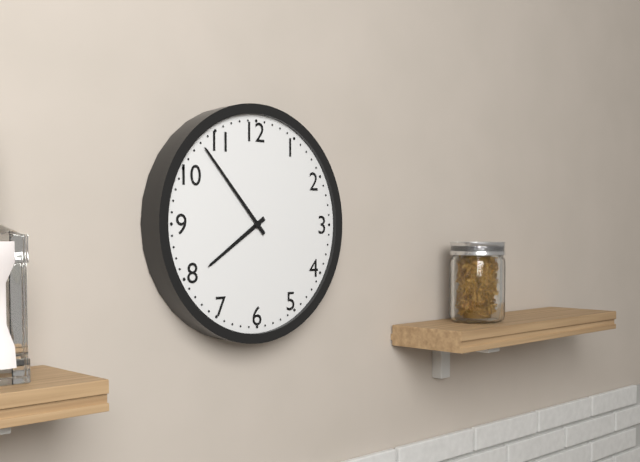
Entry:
7,53
